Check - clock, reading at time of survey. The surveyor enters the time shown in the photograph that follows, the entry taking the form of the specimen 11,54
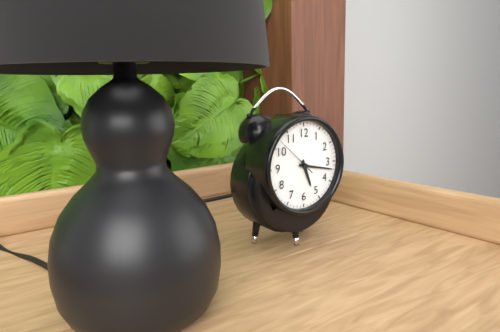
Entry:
5,17
